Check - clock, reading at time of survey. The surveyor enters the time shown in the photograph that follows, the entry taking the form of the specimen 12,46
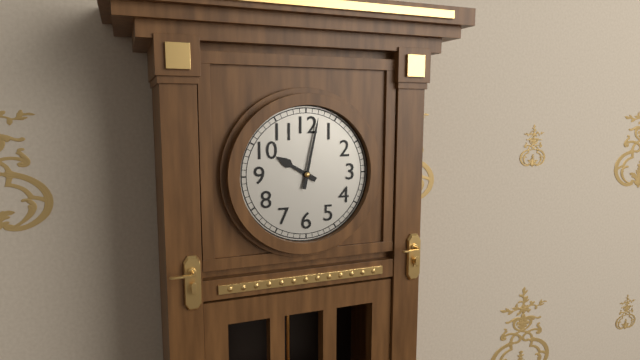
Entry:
10,02
